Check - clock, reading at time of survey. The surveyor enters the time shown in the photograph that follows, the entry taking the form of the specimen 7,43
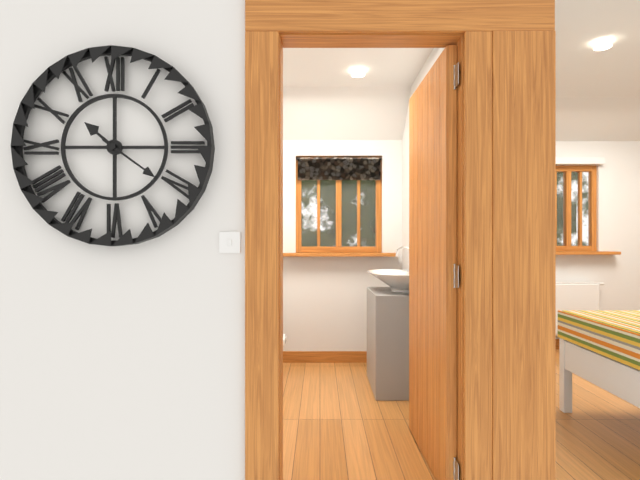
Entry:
10,21
